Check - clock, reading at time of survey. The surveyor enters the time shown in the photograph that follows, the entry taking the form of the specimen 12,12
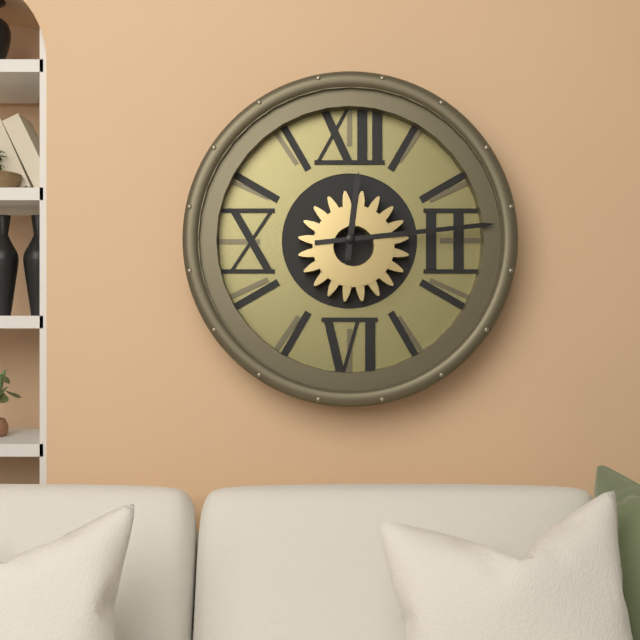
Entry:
12,14
